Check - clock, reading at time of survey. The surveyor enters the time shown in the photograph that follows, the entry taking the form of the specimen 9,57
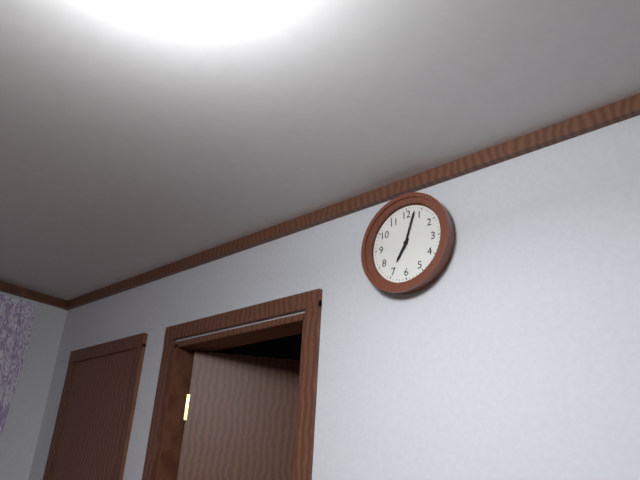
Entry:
7,03
